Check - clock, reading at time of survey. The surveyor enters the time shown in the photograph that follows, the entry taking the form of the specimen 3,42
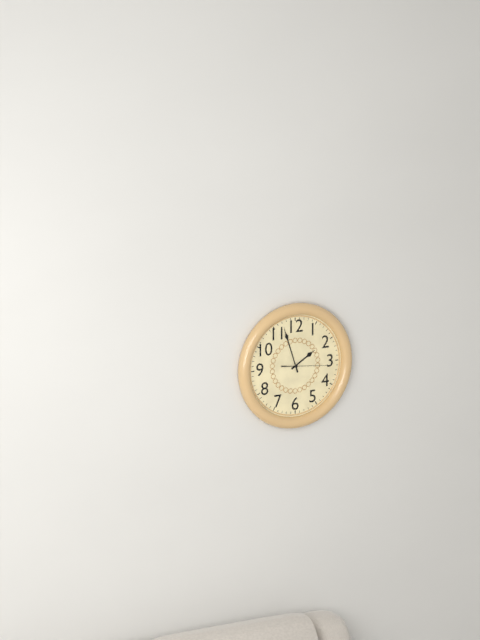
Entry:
1,57
